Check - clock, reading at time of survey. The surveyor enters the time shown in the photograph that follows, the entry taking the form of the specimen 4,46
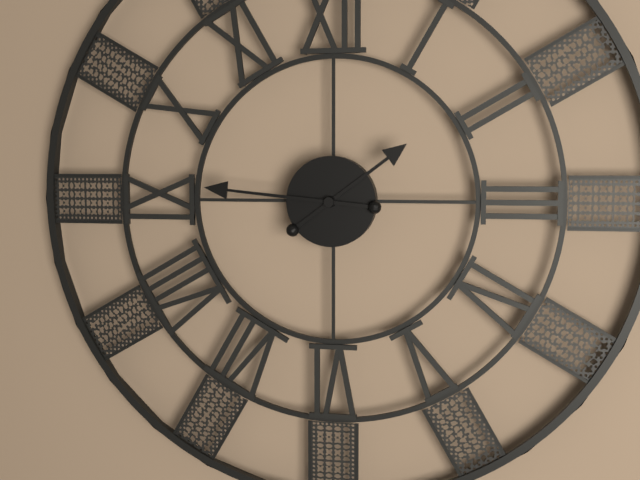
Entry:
1,46
